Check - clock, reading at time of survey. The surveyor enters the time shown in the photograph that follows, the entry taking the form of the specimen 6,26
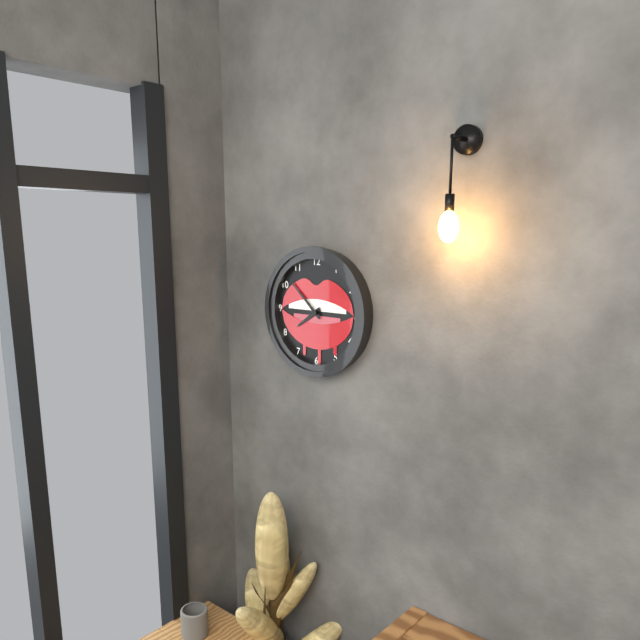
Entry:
7,52
